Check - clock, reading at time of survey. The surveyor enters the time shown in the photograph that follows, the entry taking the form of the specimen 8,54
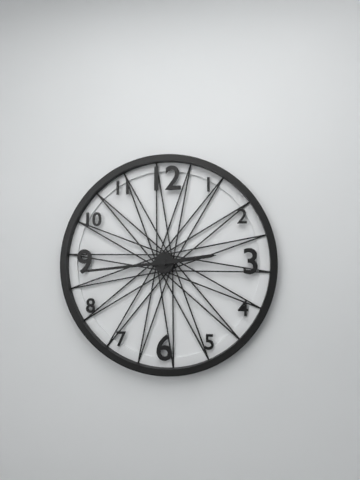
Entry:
2,44
